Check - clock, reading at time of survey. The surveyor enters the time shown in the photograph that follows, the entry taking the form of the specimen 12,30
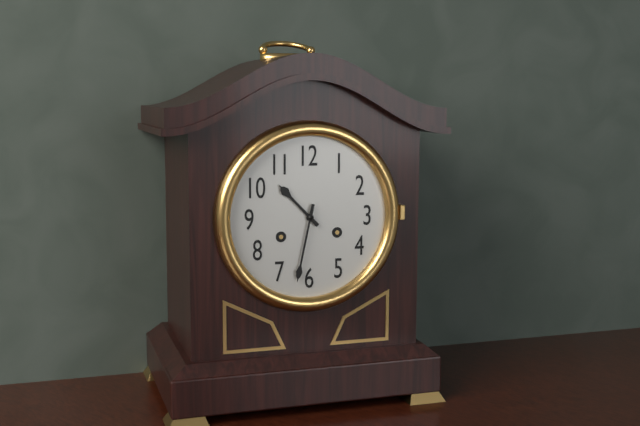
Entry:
10,32
